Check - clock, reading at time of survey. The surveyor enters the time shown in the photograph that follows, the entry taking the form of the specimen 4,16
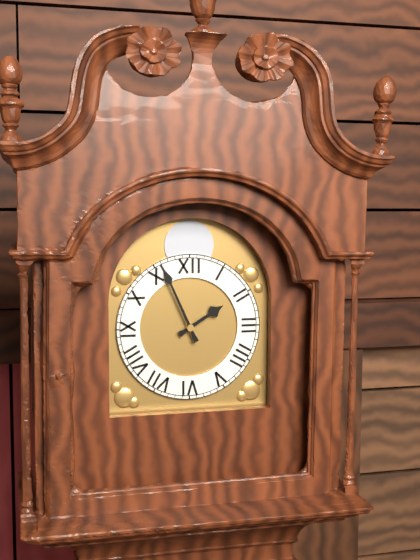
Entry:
1,56
